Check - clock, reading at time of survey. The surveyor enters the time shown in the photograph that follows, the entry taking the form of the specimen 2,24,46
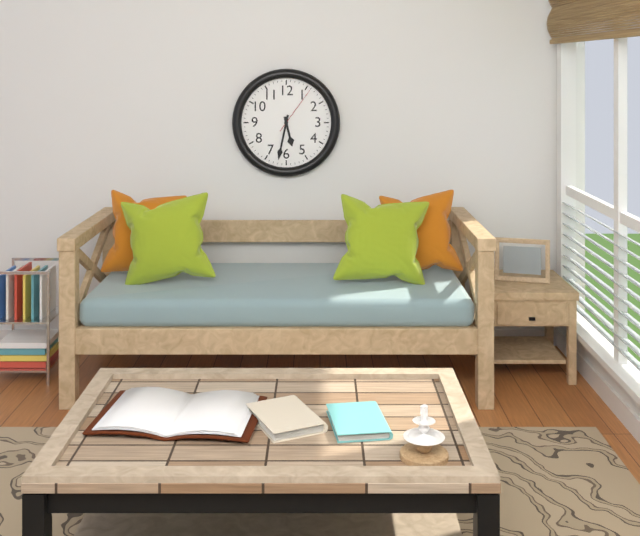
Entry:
5,32,06
